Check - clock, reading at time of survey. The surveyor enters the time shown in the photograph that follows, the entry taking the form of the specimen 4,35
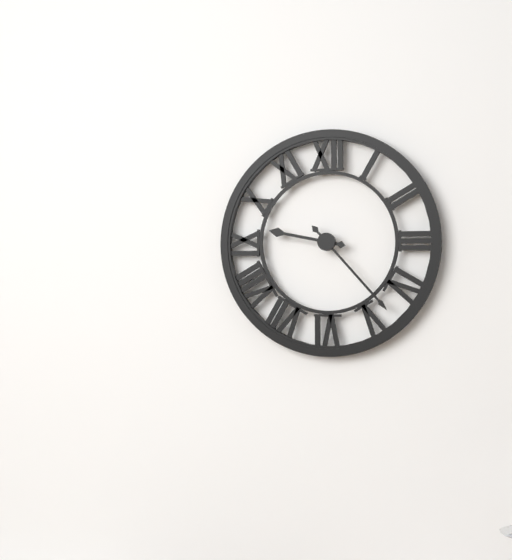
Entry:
9,23
